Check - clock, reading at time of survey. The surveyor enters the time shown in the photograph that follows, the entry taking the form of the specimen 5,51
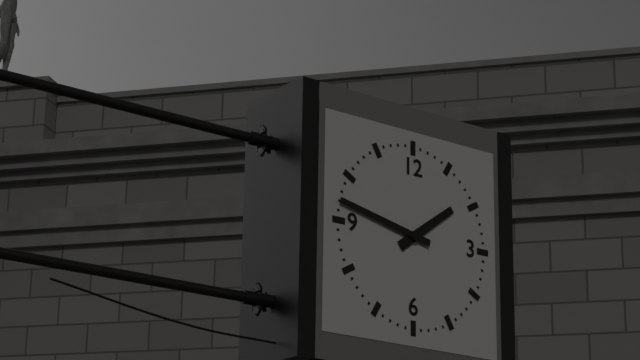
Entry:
1,47
